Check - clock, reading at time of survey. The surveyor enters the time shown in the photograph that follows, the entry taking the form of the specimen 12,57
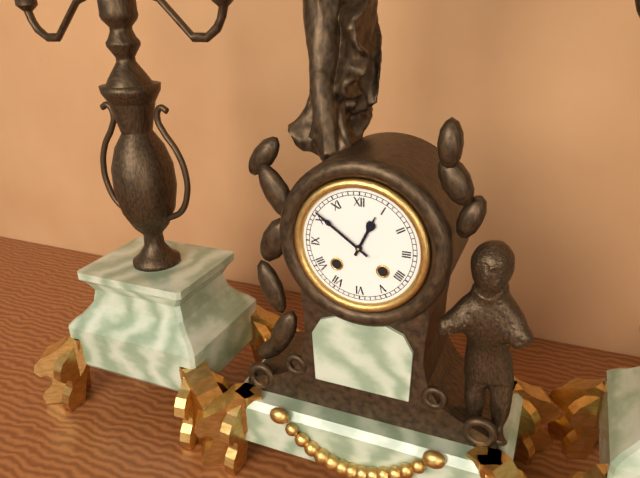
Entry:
12,51
